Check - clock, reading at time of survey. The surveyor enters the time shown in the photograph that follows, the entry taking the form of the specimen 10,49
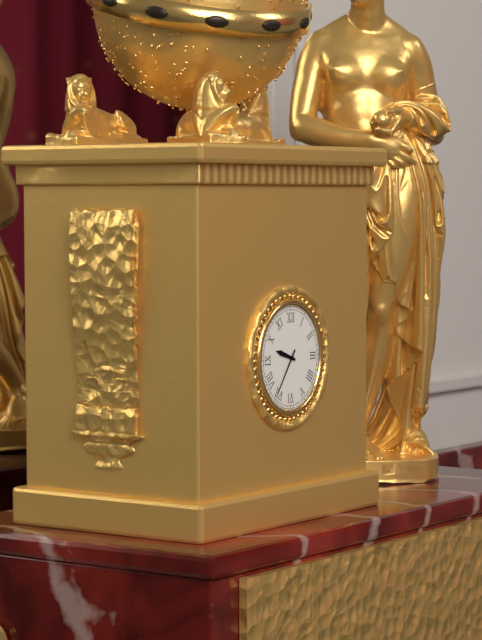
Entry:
9,36
